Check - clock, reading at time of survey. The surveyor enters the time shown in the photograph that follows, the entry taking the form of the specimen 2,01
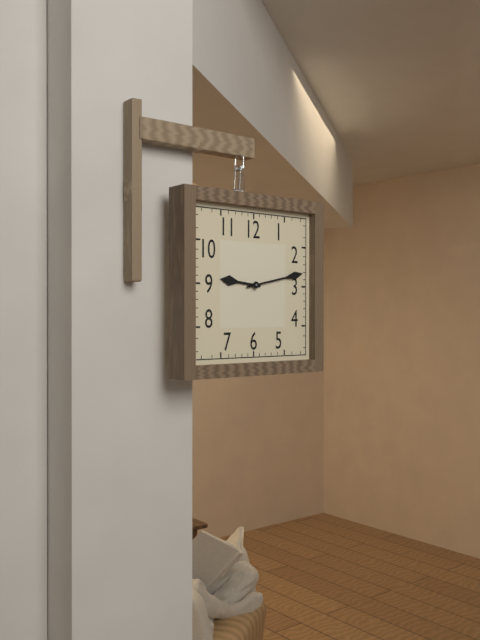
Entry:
9,13
